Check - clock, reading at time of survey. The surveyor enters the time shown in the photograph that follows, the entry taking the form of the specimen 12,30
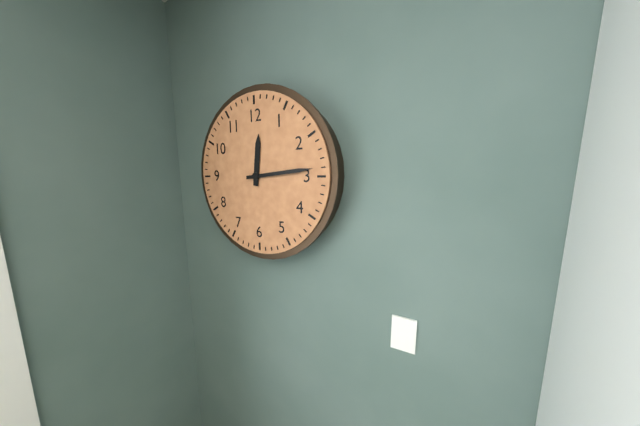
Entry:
12,14
